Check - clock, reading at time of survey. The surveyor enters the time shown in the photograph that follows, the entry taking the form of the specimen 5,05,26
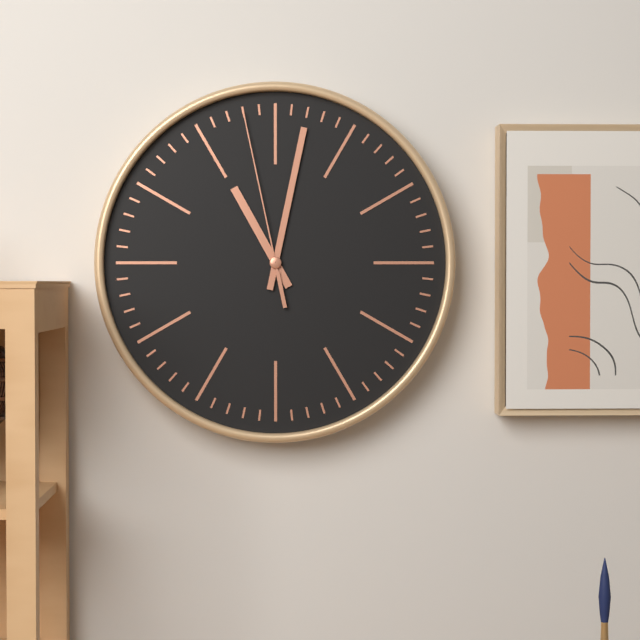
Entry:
11,02,58
